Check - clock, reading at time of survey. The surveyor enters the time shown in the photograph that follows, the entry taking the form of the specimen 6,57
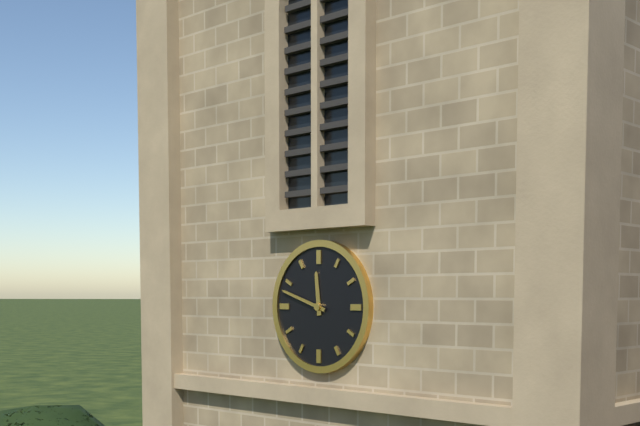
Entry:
11,48
